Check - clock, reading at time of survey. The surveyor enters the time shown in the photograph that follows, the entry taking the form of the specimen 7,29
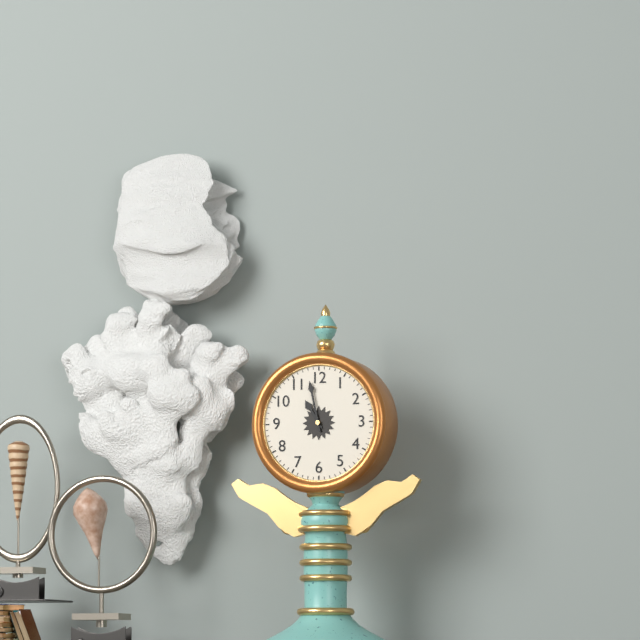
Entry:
10,58
